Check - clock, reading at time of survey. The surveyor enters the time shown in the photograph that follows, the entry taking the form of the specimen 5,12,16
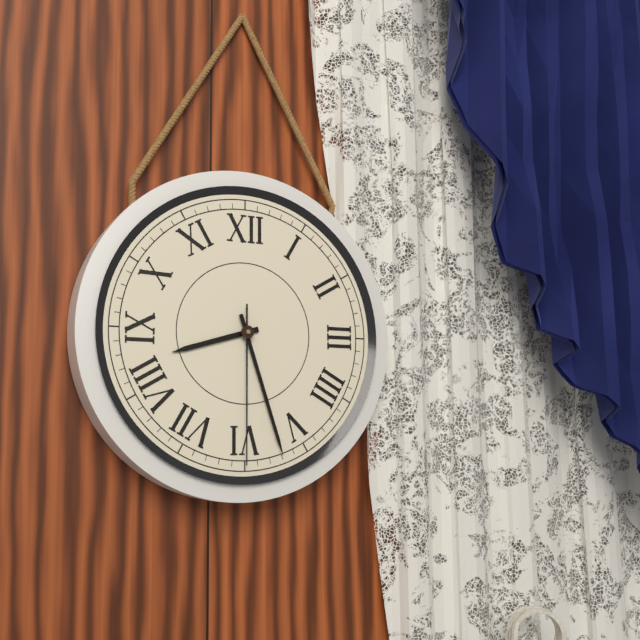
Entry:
8,27,30
